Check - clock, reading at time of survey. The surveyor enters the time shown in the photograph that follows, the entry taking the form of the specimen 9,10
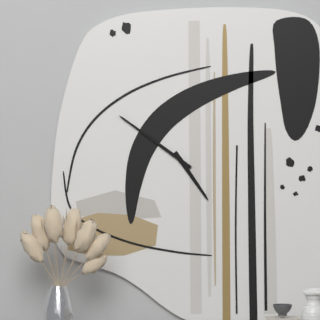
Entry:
4,51
